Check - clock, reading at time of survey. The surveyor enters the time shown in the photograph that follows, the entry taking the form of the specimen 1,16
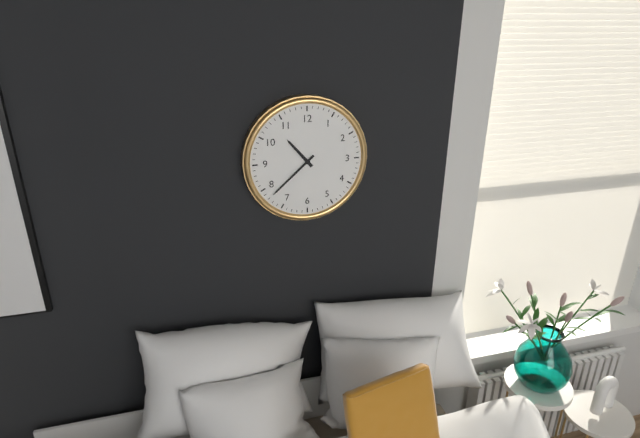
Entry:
10,38
